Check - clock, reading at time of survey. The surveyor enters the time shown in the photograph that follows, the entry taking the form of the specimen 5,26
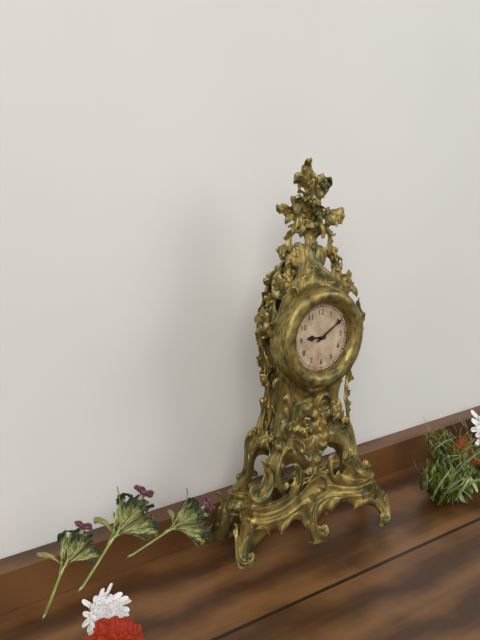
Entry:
9,10
